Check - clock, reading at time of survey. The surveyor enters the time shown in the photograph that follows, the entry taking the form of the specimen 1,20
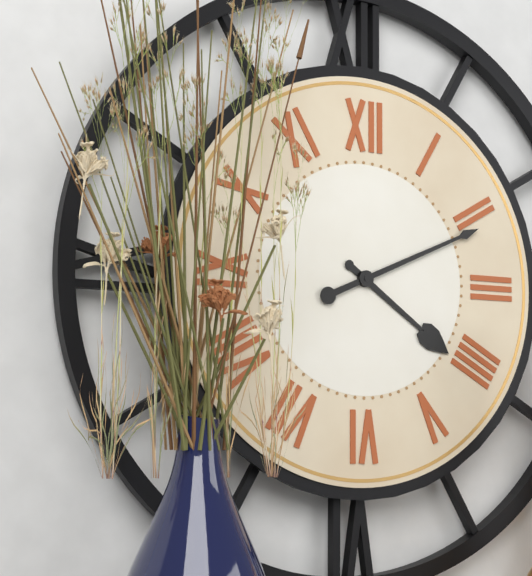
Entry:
4,11
